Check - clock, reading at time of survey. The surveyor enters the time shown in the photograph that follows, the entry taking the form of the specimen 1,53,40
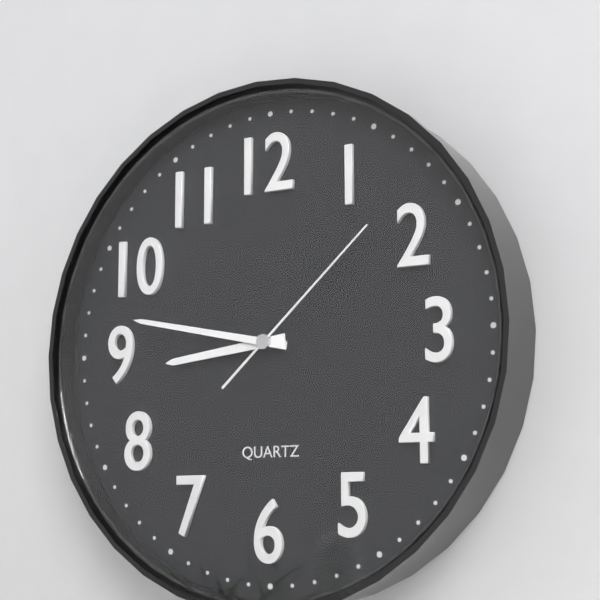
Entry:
8,47,08
